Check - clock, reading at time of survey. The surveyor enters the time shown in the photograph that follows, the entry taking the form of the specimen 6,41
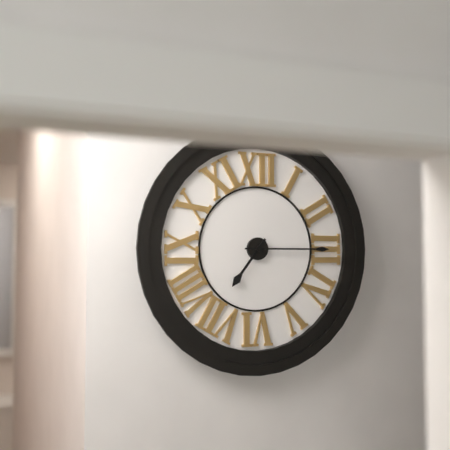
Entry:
7,15
